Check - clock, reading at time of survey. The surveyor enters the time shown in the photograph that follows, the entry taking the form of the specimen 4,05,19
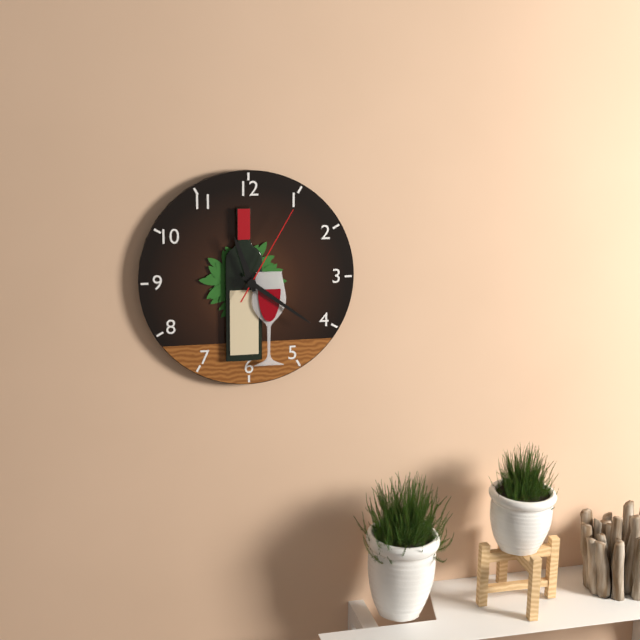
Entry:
11,21,05
